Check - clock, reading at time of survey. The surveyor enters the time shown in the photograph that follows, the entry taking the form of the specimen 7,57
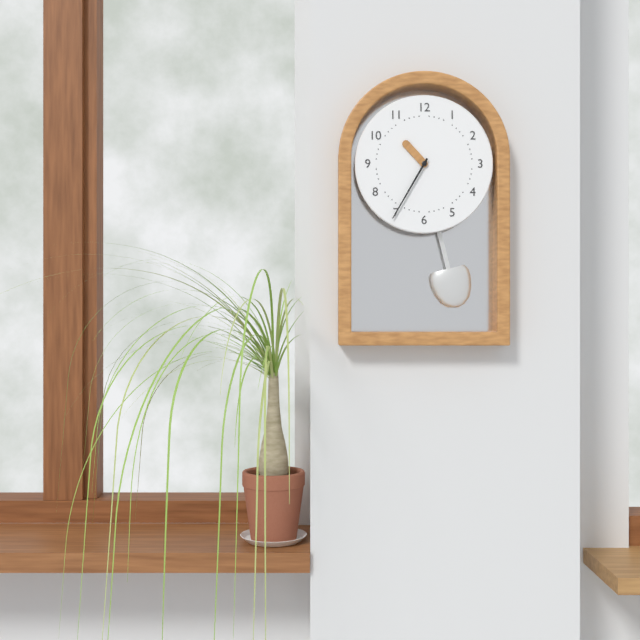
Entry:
10,35
